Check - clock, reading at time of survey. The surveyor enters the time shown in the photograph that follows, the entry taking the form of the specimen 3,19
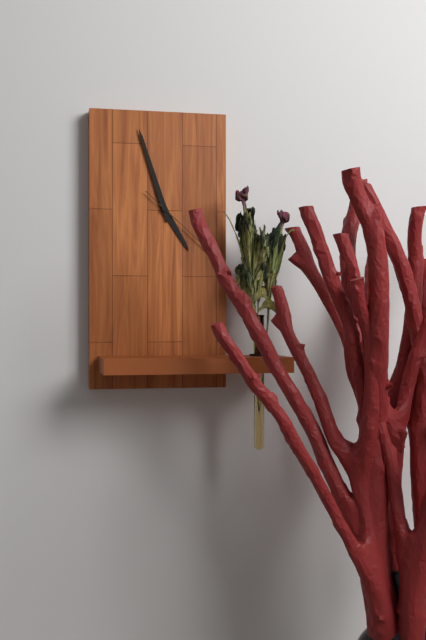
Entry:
4,57
